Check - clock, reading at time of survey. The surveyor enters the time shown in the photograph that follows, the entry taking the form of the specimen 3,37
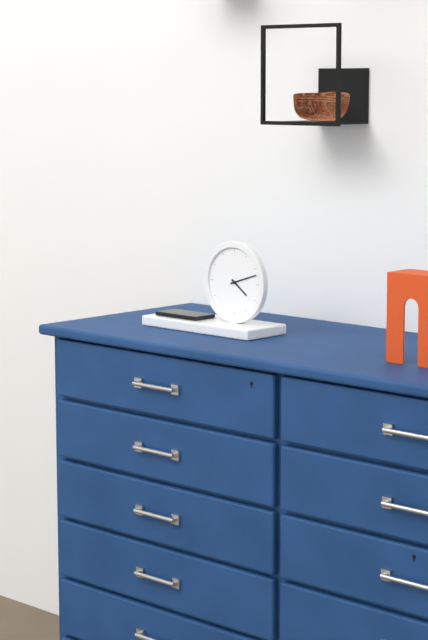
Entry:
4,12
